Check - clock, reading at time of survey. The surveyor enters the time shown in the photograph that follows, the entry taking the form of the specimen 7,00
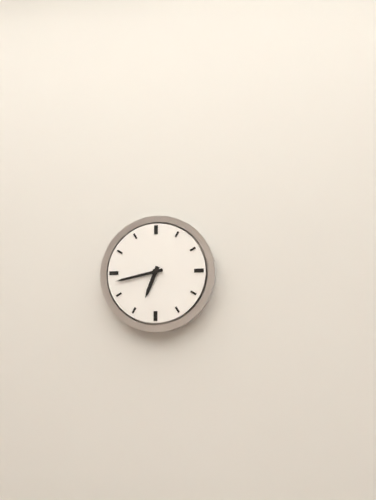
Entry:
6,43
